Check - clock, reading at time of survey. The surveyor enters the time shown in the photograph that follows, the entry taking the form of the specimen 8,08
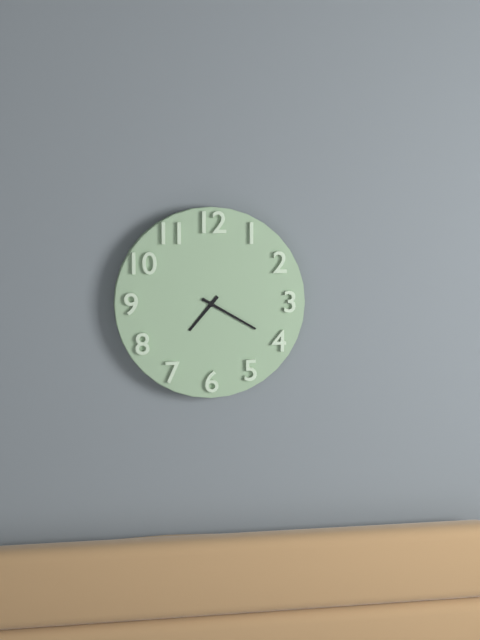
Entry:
7,20
